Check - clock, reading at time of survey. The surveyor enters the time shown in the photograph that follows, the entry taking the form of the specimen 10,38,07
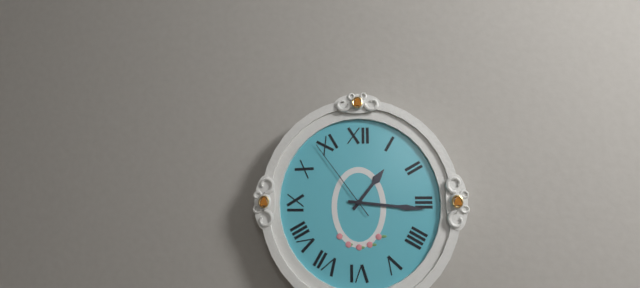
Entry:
1,16,54
